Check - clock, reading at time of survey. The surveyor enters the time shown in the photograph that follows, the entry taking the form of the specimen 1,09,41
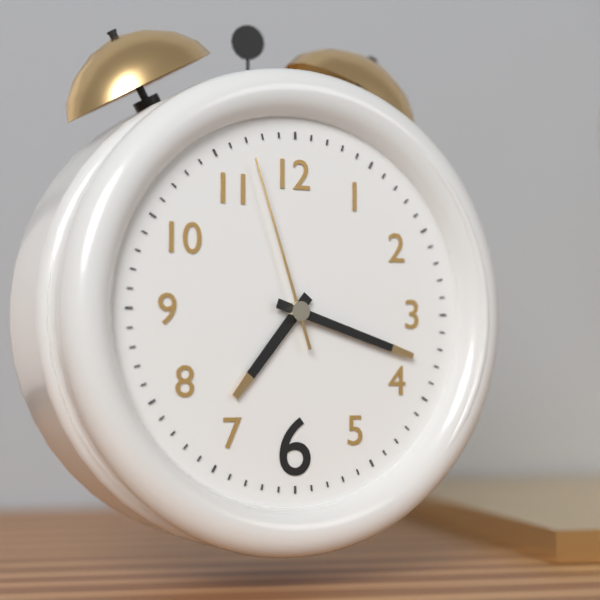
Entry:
7,18,57
